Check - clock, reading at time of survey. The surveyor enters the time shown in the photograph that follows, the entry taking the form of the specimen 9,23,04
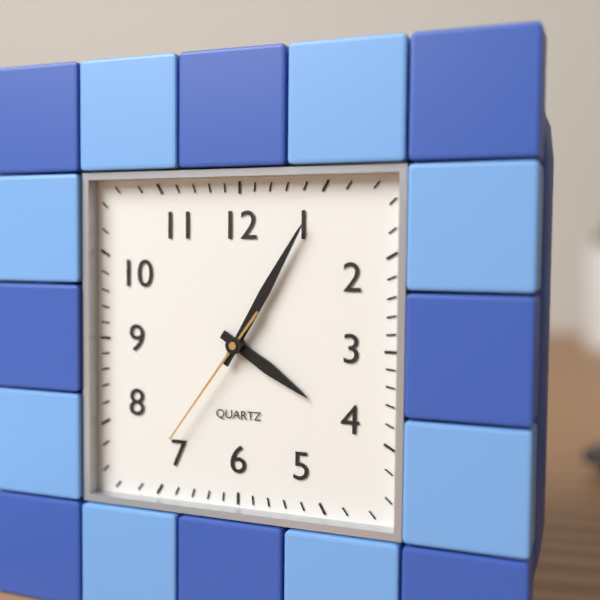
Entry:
4,05,36
